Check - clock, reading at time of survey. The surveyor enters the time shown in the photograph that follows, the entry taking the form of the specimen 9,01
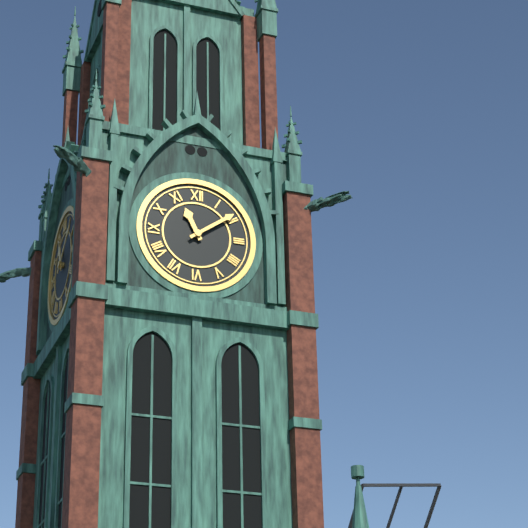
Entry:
11,09
